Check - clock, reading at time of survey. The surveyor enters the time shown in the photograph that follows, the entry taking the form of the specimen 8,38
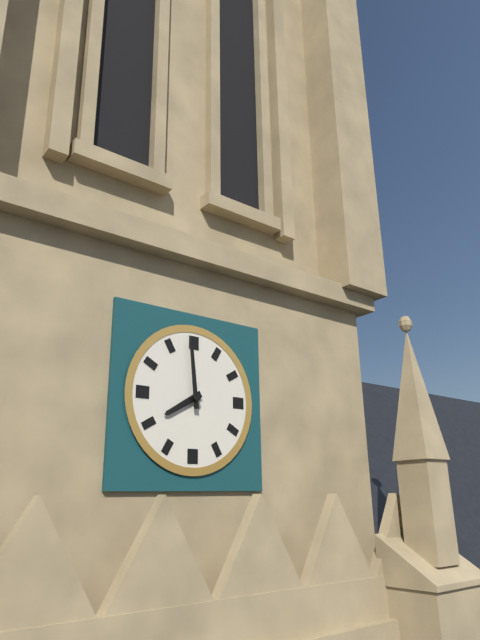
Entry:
7,59
